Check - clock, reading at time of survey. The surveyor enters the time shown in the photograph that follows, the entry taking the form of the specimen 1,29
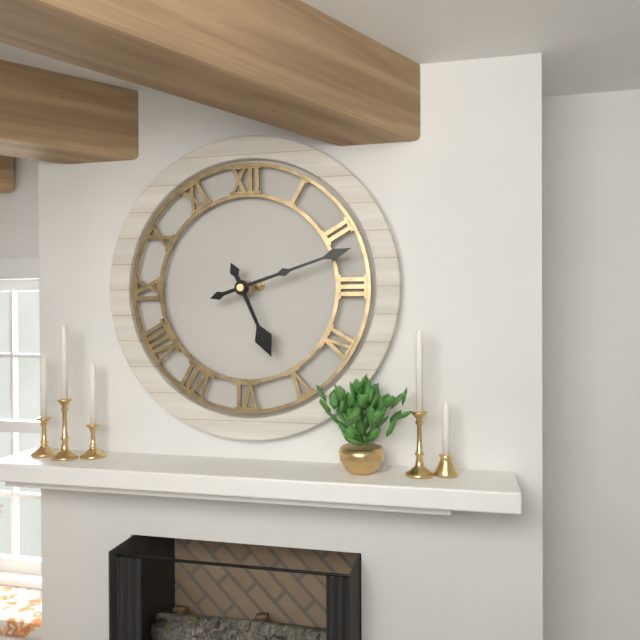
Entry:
5,12
